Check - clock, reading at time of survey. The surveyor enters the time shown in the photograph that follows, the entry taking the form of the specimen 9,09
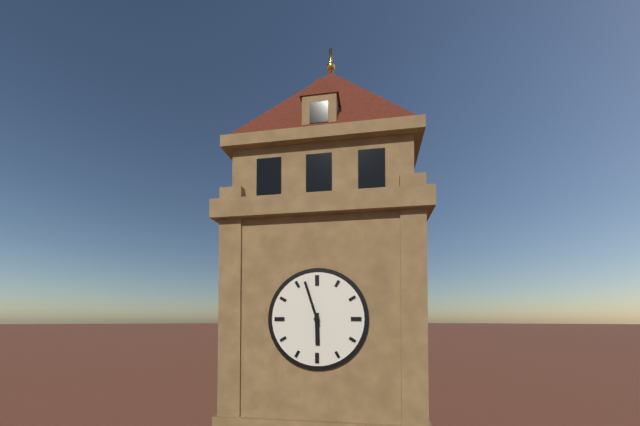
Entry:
5,57
